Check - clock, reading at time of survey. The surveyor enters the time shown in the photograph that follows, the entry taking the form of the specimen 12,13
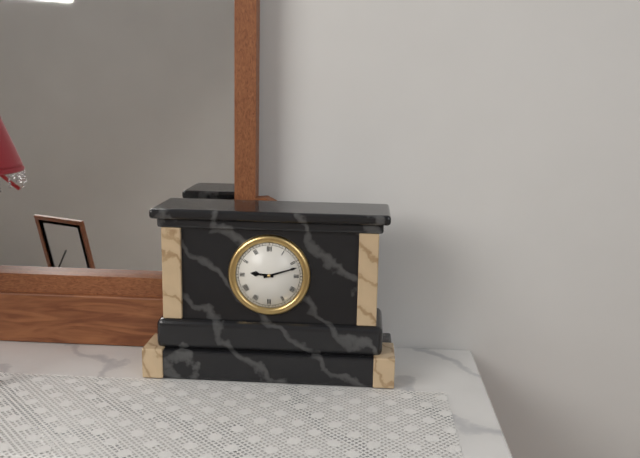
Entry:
9,12
